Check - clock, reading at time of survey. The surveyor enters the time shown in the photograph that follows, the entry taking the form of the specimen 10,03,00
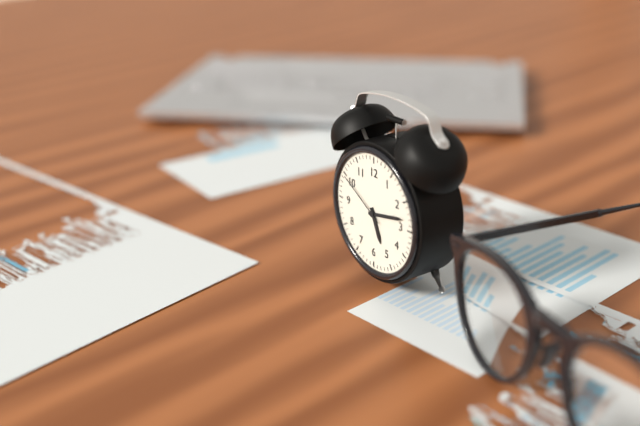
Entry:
5,13,50
